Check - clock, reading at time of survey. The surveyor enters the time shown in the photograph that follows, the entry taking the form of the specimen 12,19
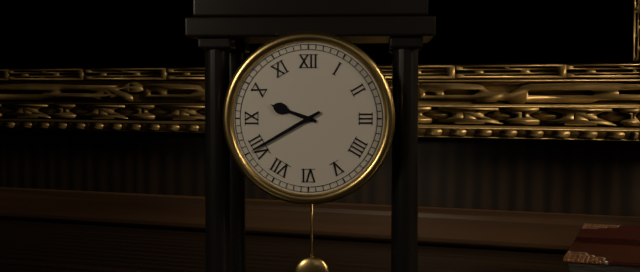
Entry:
9,40
